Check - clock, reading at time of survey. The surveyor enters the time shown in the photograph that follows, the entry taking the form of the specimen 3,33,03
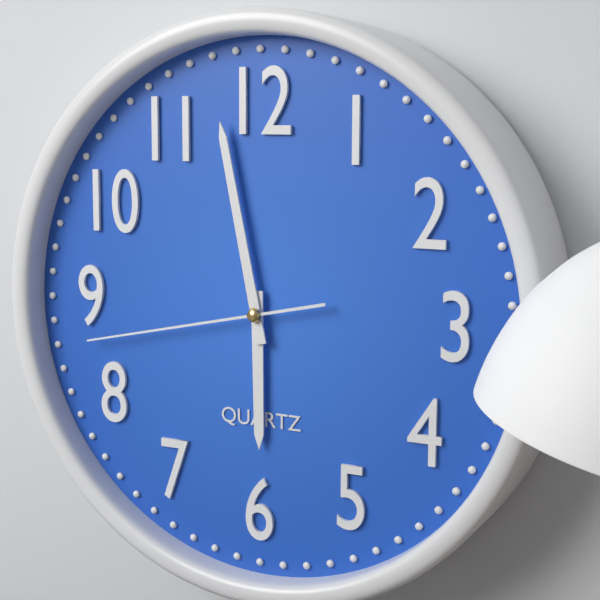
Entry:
5,58,43
